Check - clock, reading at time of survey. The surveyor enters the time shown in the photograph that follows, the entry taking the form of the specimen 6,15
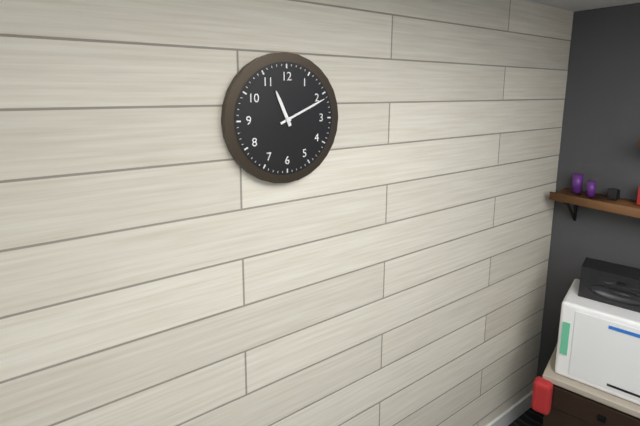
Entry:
11,11
